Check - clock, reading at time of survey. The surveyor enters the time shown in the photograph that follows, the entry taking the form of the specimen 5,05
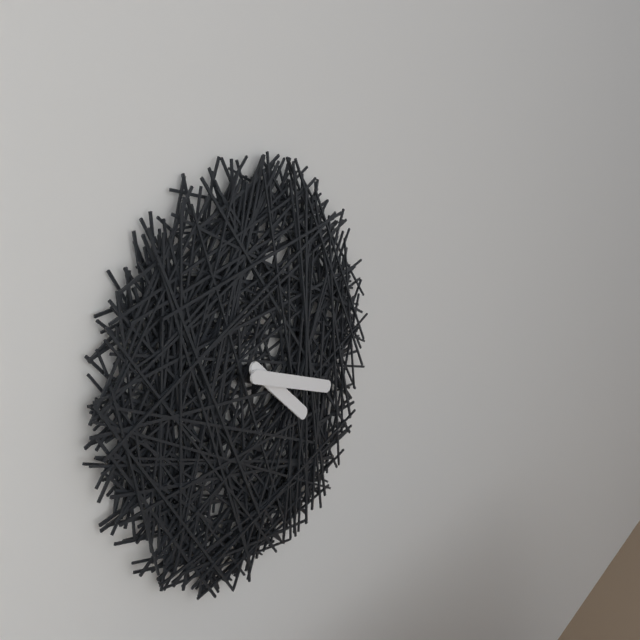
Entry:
4,18
